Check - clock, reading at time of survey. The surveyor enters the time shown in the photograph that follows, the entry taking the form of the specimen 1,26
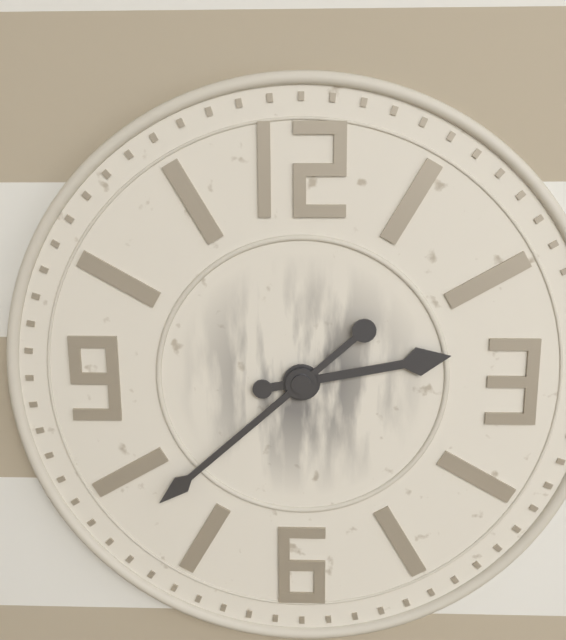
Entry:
2,38
